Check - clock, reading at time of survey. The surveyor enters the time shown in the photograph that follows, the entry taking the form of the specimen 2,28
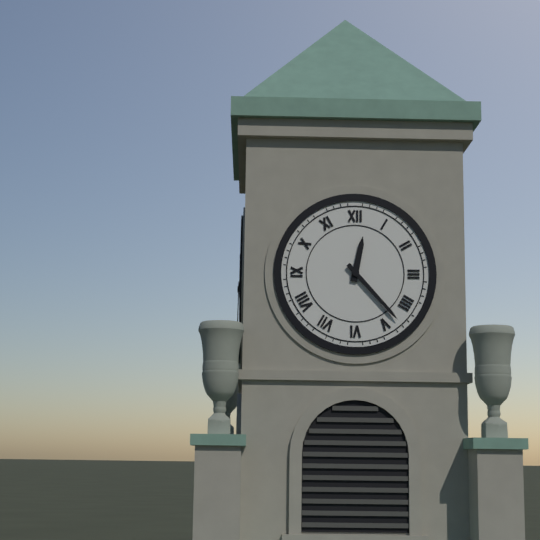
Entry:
12,23
